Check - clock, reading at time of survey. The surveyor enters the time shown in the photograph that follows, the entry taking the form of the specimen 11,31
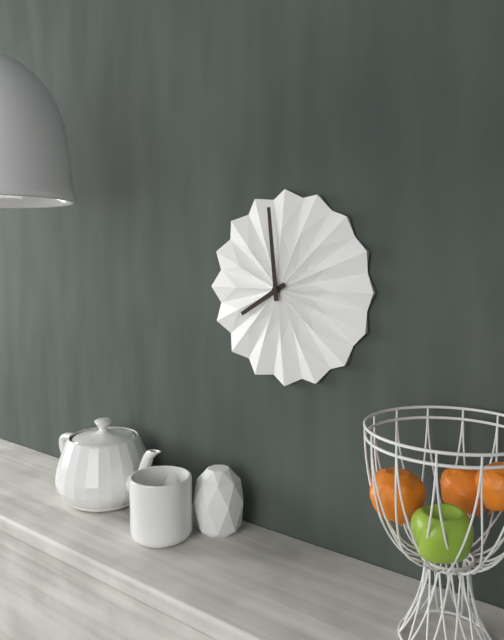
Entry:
7,59
